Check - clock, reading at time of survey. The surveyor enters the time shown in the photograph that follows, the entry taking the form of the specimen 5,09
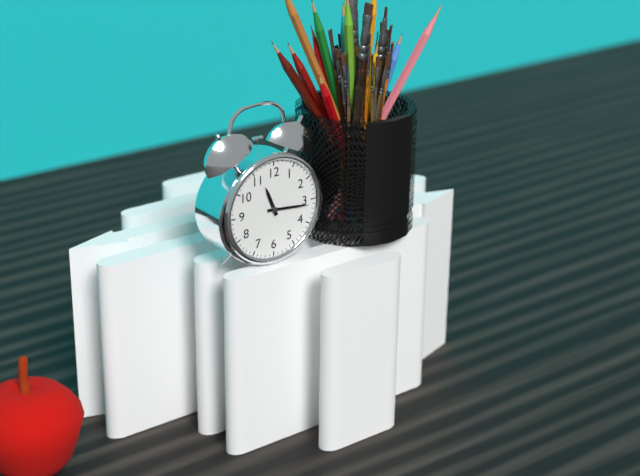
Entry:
11,16
